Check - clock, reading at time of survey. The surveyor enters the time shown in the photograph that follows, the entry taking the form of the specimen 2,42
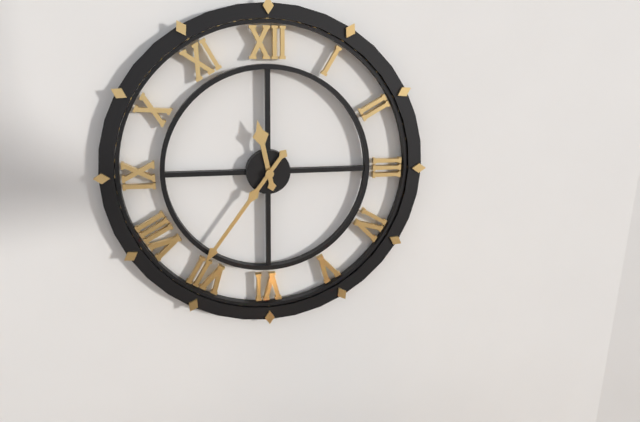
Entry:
11,36
